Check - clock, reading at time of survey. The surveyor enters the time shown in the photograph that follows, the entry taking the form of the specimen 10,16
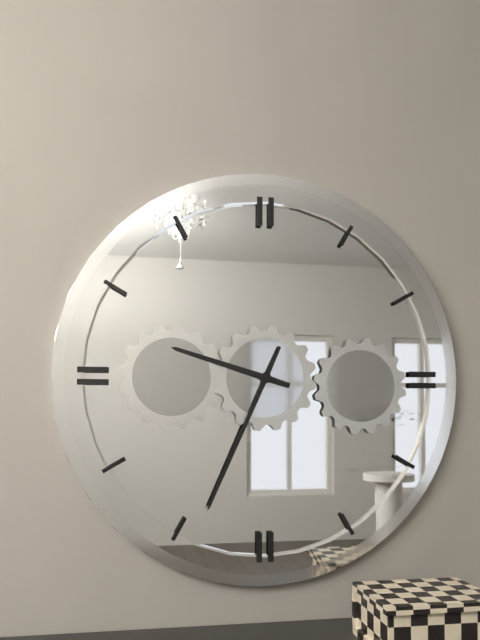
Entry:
9,34
